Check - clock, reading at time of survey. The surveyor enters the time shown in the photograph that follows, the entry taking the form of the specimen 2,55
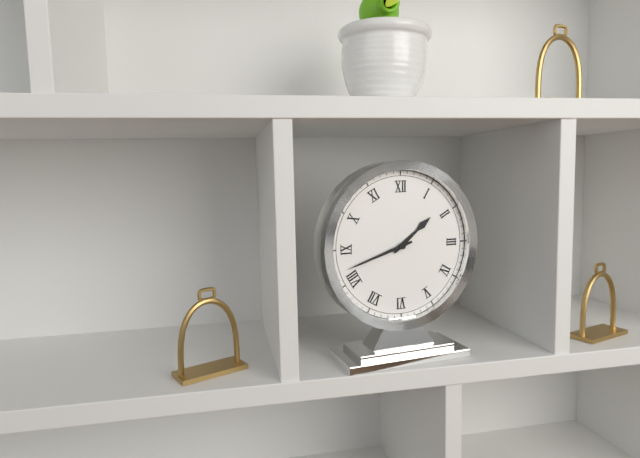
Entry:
1,42
